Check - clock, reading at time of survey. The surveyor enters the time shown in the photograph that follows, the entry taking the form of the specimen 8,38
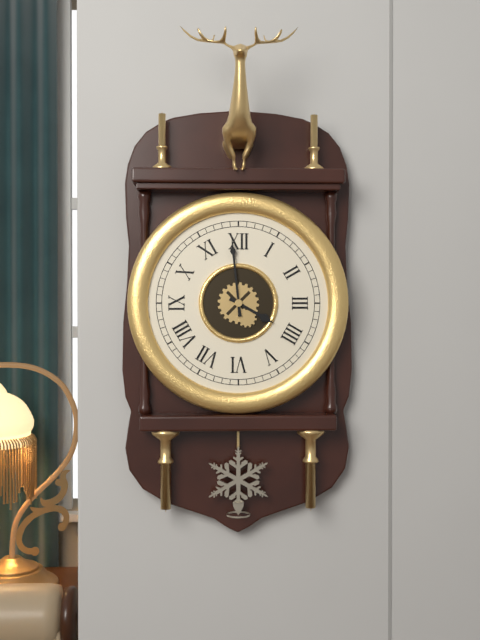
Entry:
3,59
